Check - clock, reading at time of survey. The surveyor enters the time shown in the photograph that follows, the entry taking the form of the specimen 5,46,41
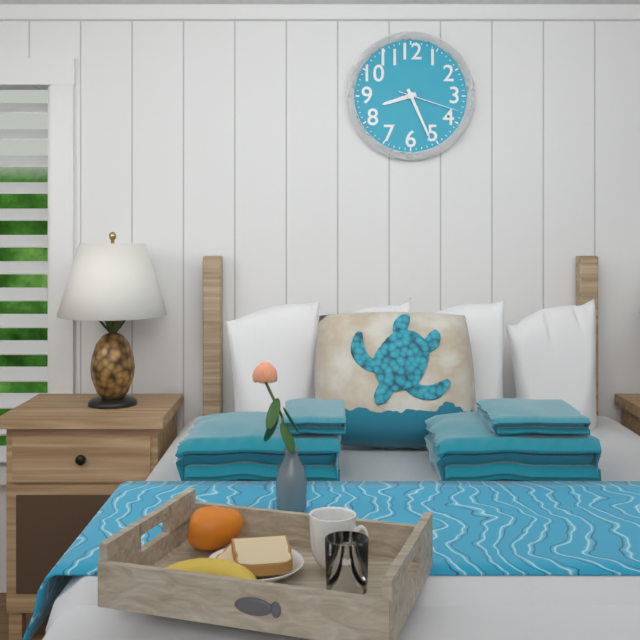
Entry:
8,26,18
